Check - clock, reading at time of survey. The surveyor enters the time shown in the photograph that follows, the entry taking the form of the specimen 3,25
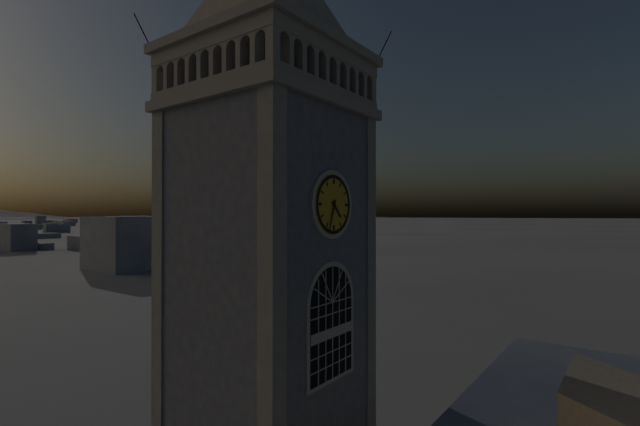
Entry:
4,33
